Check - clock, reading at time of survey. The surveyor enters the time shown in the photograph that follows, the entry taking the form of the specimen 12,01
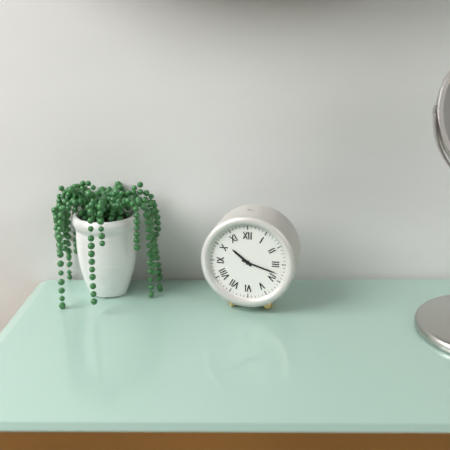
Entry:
10,18
